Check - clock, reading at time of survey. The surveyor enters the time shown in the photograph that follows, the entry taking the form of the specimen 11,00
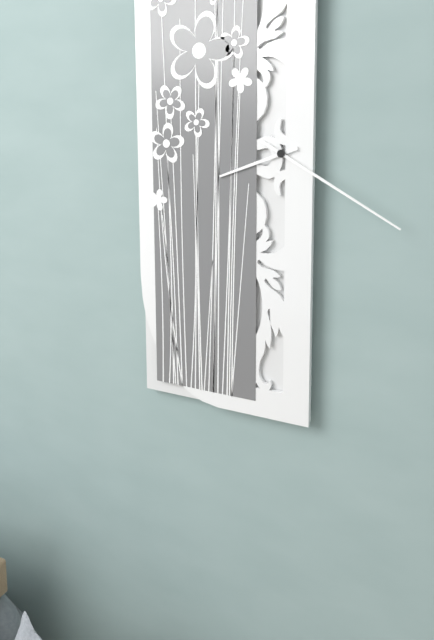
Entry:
8,20
